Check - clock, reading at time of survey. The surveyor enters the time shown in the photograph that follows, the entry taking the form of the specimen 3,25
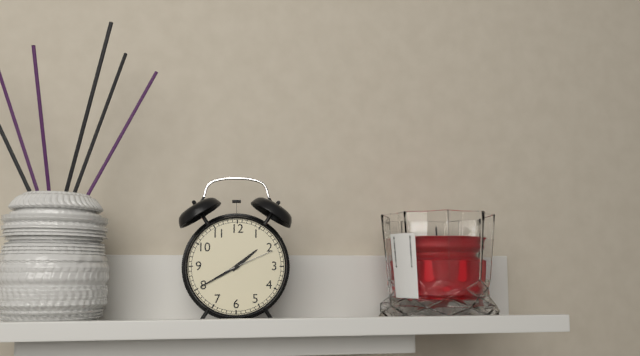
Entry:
1,40
